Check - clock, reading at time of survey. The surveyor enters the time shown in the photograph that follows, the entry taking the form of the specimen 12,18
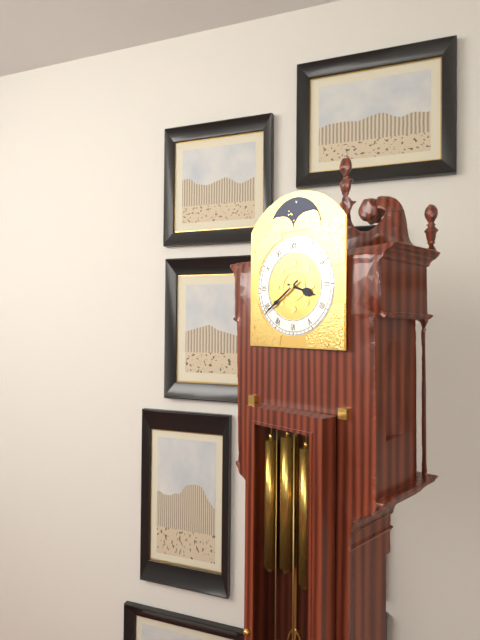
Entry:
3,39
